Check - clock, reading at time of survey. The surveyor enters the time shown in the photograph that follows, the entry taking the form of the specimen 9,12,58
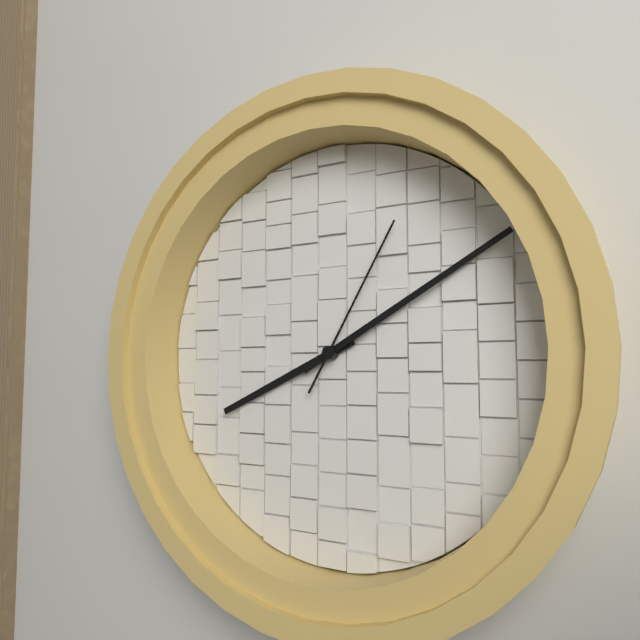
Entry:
8,10,05
